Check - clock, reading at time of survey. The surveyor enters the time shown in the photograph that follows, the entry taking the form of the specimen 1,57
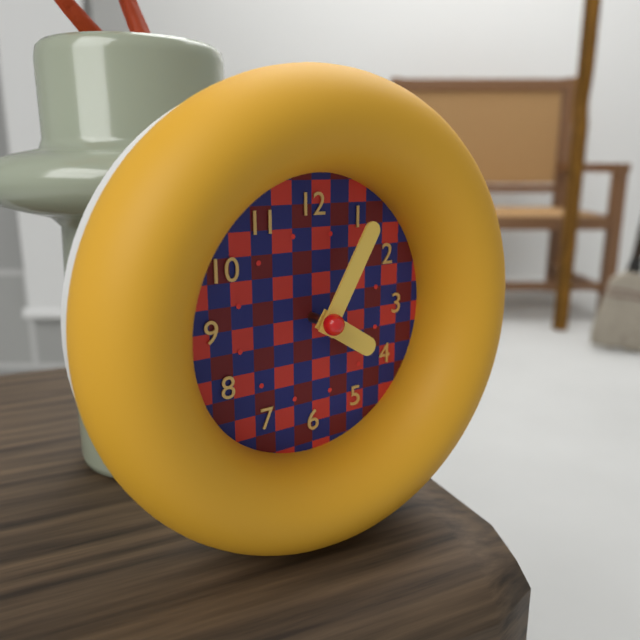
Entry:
4,05
